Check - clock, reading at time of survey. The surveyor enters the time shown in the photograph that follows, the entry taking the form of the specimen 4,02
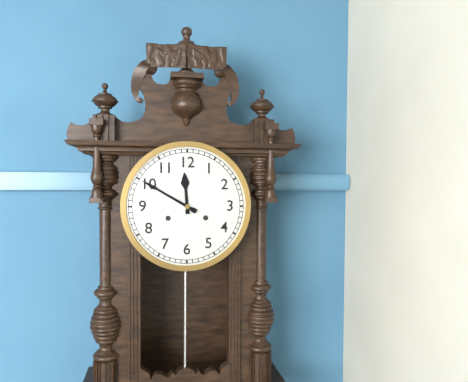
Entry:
11,50
